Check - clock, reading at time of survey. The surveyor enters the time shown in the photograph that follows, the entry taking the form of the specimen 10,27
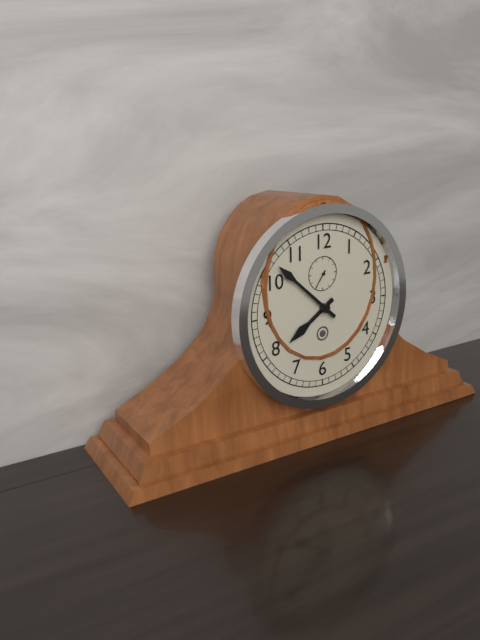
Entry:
7,52
